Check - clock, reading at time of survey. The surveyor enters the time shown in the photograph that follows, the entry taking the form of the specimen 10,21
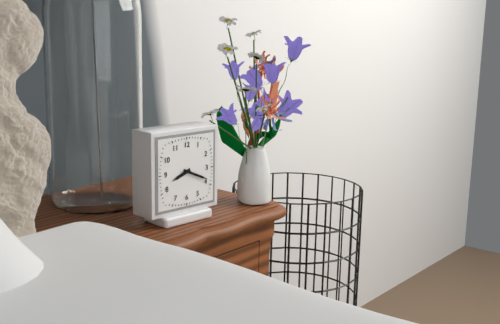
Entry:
8,19
